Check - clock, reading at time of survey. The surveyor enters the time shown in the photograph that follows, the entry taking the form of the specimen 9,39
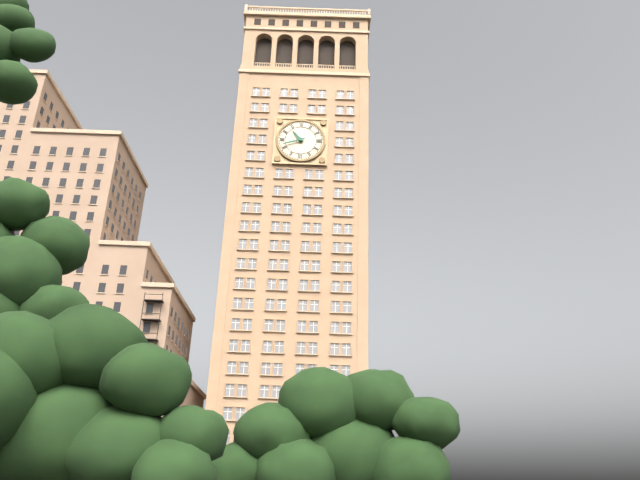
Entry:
10,42
